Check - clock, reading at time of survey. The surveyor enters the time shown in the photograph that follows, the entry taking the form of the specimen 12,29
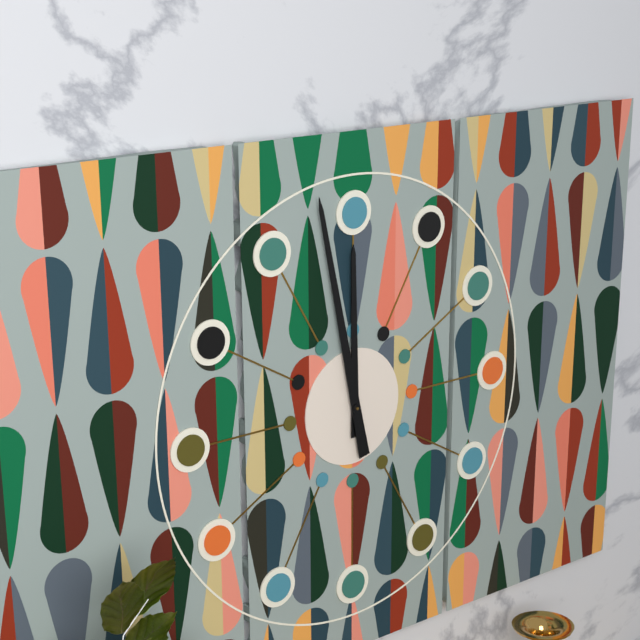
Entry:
11,58
